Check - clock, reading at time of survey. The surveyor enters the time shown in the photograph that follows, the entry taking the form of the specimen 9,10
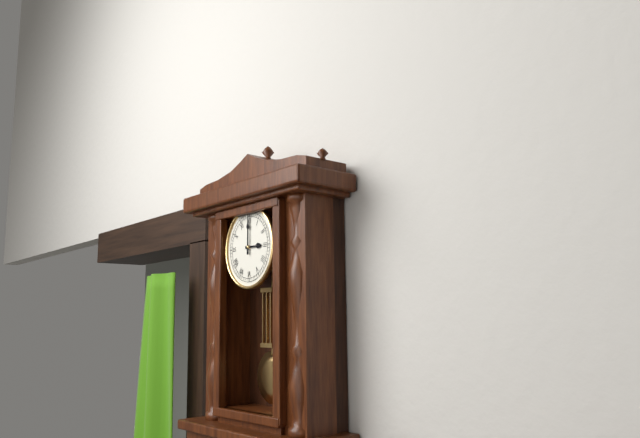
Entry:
3,00
